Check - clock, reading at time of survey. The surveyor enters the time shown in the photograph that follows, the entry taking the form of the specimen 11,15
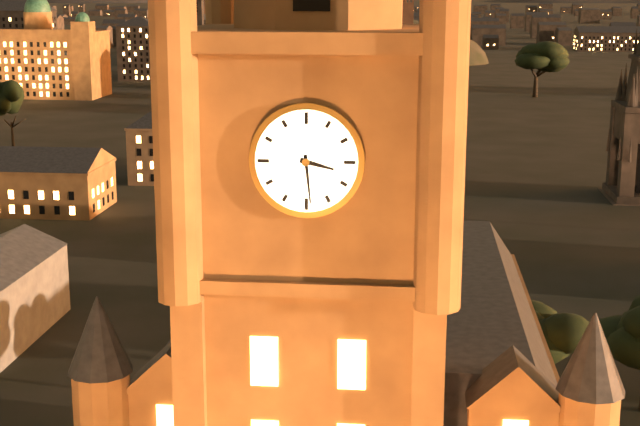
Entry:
3,29
